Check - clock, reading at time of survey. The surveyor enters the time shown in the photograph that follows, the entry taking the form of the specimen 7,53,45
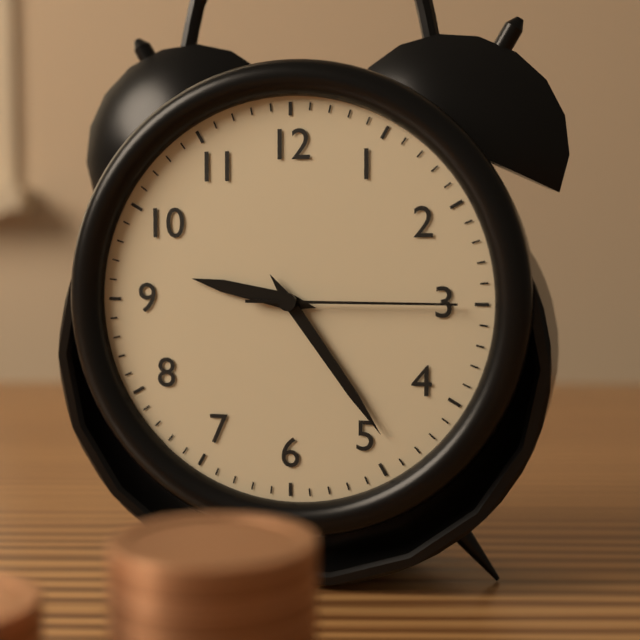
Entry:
9,24,15
